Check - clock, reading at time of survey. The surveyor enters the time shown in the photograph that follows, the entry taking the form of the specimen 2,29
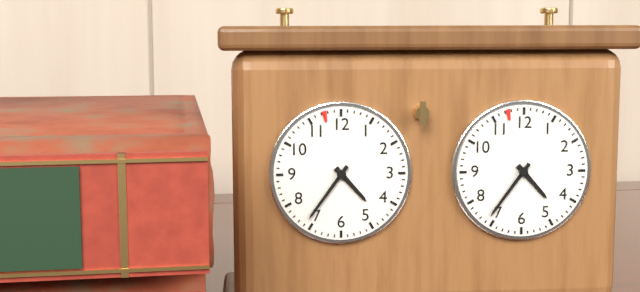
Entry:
4,36
